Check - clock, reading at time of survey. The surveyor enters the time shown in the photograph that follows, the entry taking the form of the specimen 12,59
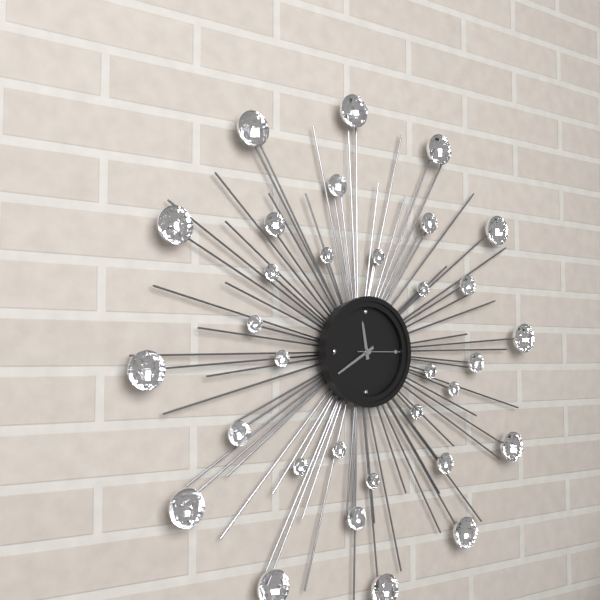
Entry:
11,40
